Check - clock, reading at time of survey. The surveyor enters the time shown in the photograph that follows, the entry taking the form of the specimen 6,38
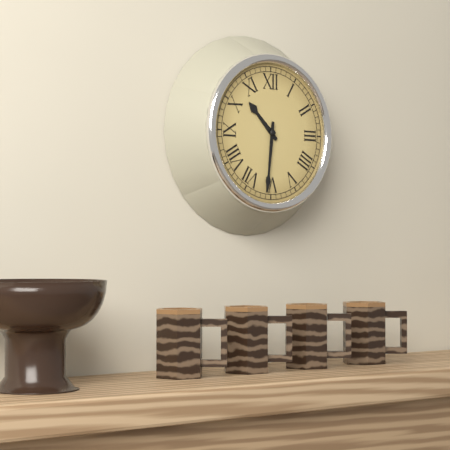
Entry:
10,31
